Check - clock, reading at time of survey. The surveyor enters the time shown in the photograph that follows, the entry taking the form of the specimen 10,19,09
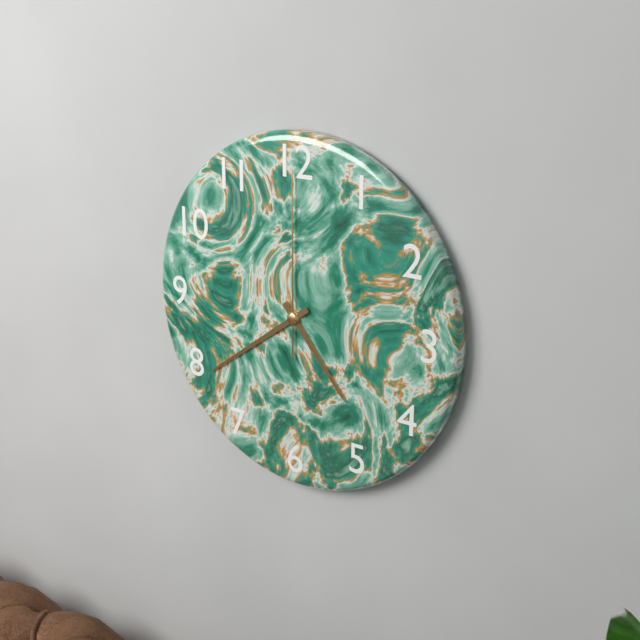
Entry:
4,39,00
